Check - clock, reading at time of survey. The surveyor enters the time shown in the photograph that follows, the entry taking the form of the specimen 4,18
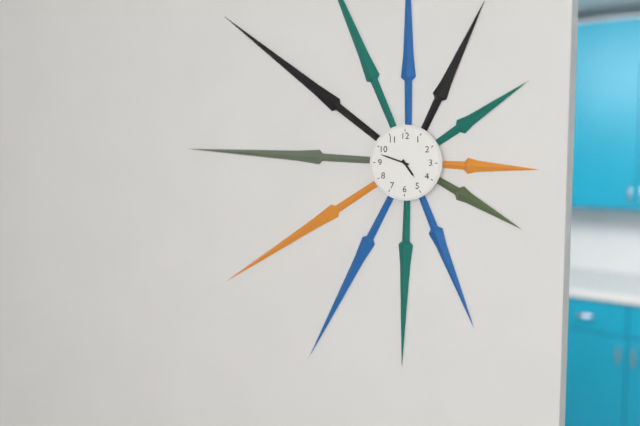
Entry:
4,48
